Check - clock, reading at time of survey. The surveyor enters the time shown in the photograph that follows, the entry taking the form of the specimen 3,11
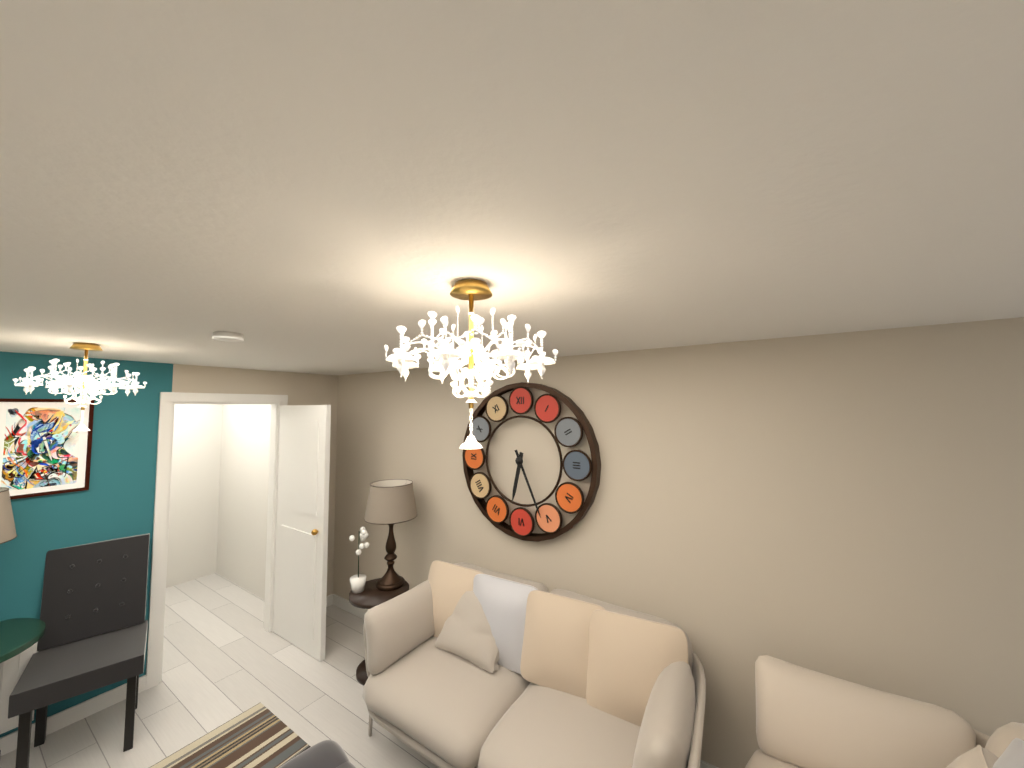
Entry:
6,26
